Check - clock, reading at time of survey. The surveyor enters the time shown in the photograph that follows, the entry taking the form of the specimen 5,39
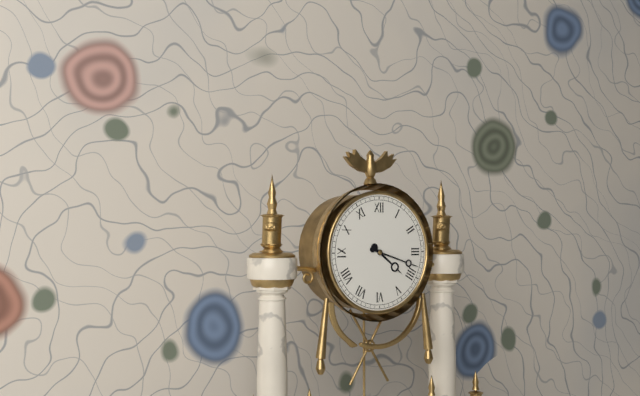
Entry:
4,18
